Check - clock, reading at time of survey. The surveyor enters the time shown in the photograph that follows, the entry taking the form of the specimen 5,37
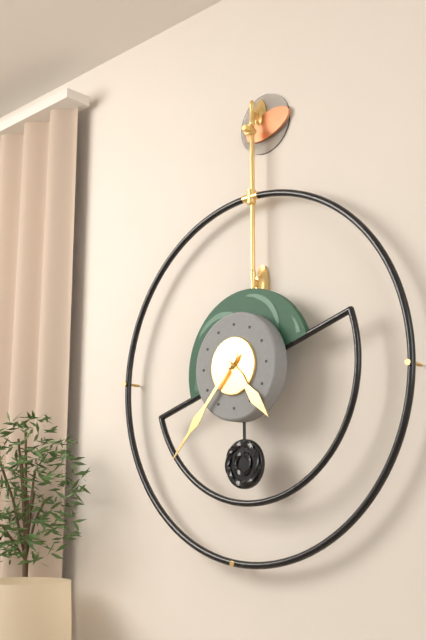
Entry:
4,37
